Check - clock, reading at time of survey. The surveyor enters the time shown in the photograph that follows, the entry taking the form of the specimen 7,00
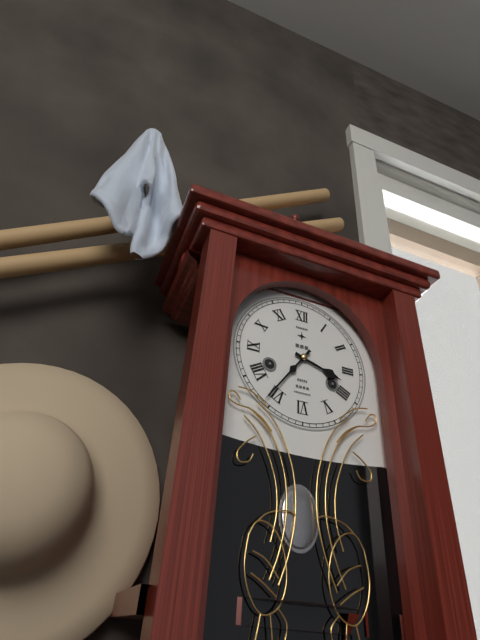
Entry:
3,36
